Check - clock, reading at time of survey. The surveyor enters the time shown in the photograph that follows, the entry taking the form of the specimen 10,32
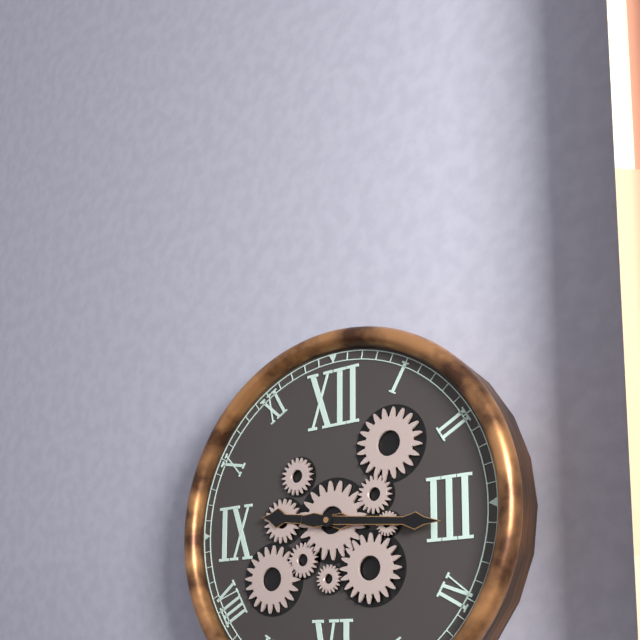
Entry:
9,16
